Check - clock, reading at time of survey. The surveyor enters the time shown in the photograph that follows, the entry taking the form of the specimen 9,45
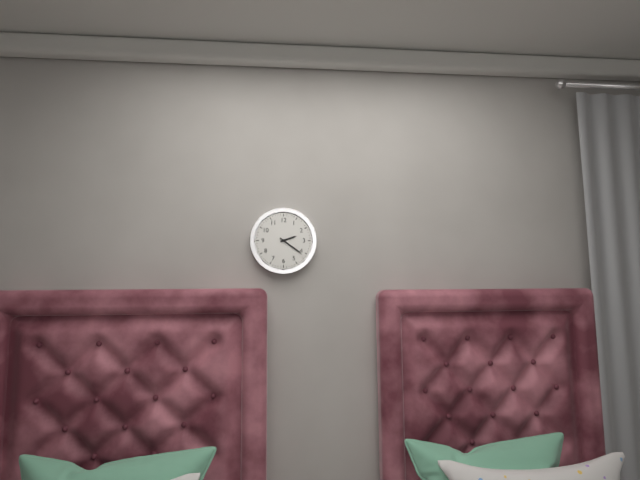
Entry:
2,21
